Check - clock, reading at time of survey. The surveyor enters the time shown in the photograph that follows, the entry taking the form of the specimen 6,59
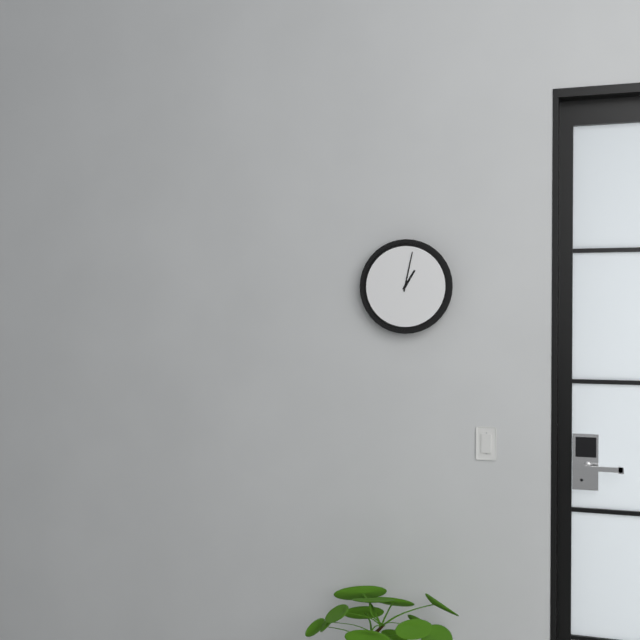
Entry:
1,02
